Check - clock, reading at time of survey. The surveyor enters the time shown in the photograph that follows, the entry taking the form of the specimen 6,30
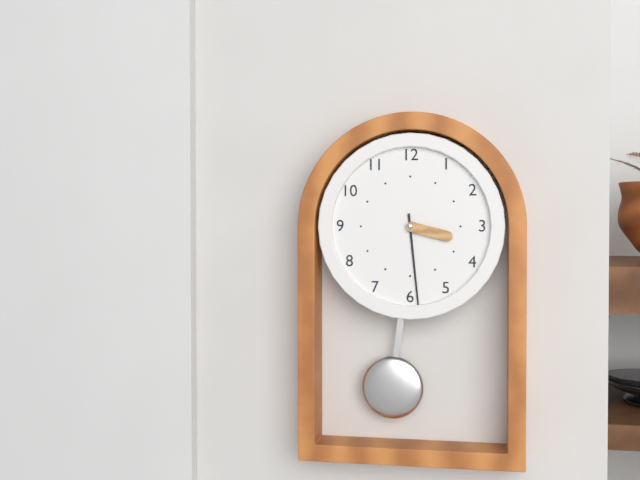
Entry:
3,29
